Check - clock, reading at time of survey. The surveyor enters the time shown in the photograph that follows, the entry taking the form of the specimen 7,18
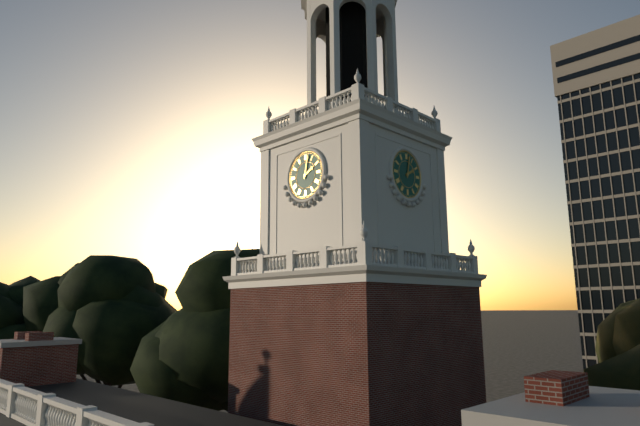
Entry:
2,02
